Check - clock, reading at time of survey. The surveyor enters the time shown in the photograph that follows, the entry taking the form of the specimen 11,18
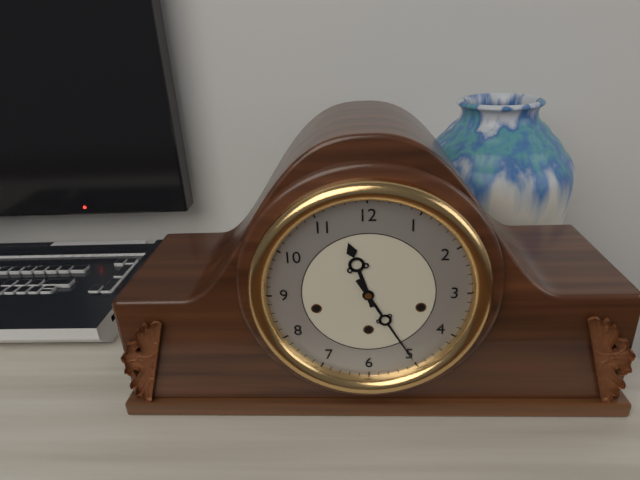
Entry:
11,25
